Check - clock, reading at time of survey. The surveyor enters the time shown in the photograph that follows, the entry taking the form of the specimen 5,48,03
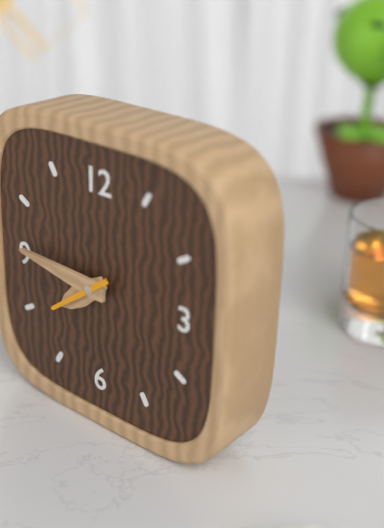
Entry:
7,46,39
